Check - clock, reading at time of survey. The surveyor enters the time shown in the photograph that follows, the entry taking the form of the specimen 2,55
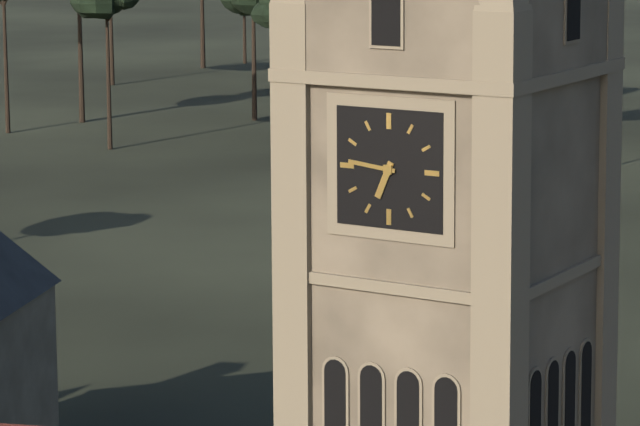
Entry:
6,46
